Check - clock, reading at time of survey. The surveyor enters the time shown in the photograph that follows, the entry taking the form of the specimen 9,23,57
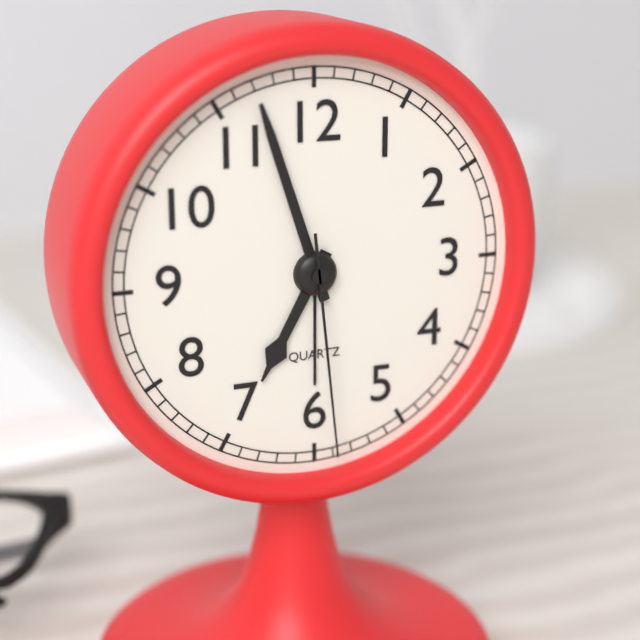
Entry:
6,57,29
